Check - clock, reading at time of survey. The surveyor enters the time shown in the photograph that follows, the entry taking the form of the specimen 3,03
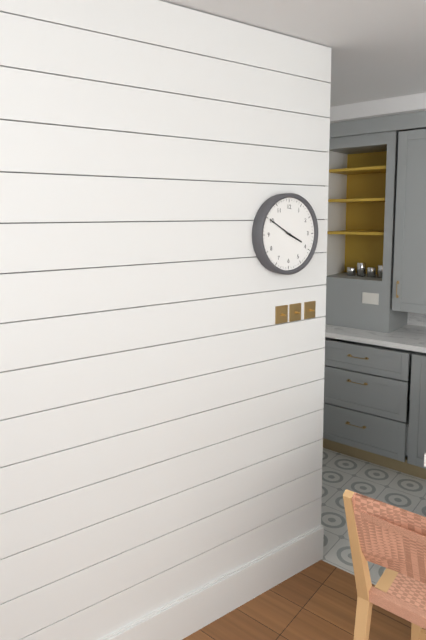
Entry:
3,50
